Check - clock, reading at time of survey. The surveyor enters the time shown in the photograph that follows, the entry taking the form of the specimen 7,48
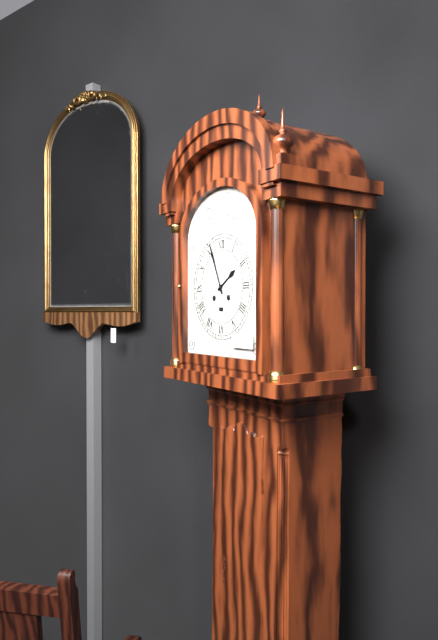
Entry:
1,56
